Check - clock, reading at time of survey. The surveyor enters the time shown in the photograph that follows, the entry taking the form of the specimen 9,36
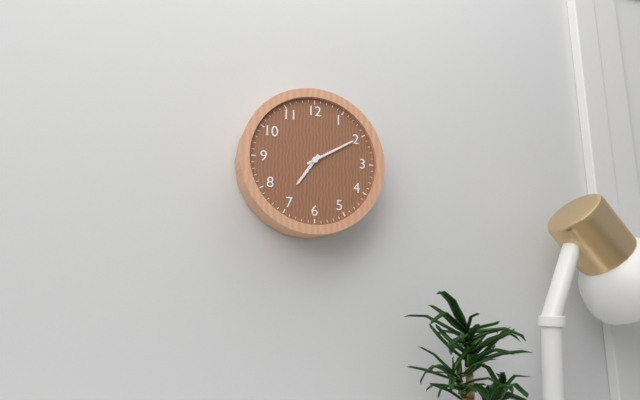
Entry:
7,10
